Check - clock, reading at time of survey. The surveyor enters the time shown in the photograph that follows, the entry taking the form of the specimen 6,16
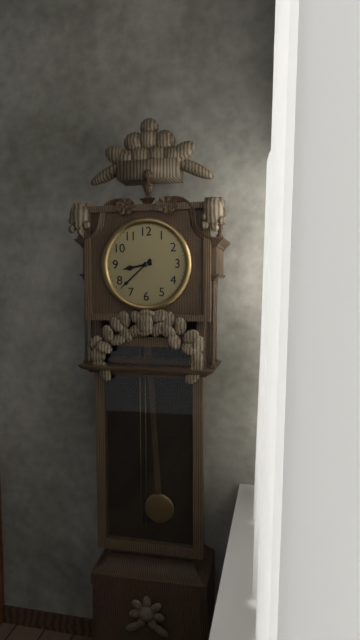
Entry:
8,38
